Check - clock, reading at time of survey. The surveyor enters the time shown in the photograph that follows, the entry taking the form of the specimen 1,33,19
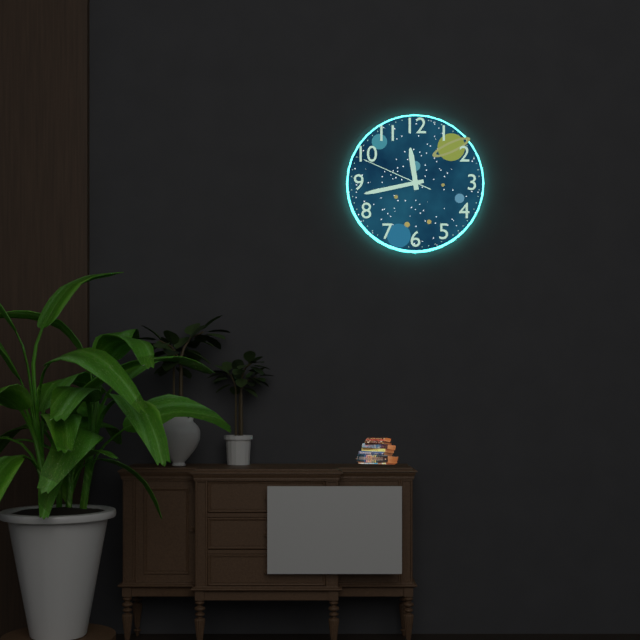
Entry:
11,43,49
